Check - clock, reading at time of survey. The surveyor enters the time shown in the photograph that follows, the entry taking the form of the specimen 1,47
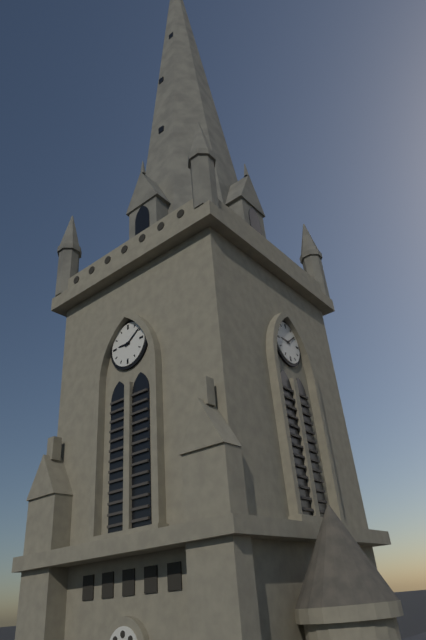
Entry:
9,09
